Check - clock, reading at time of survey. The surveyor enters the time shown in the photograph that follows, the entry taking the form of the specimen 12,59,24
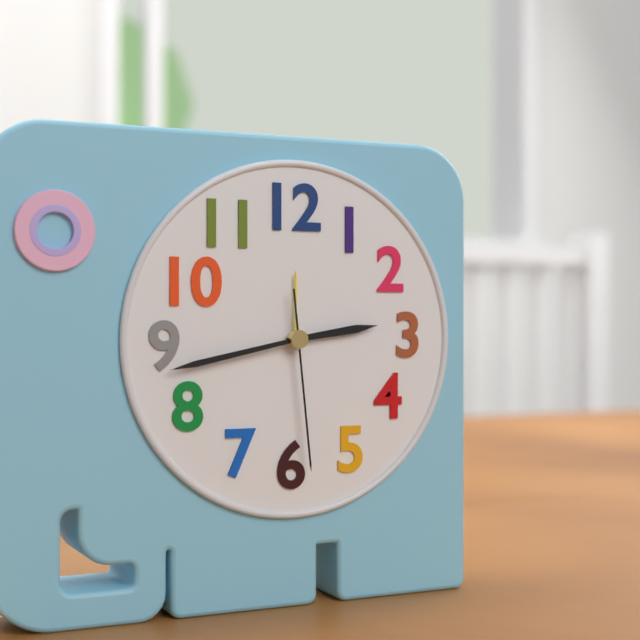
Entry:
2,43,29
